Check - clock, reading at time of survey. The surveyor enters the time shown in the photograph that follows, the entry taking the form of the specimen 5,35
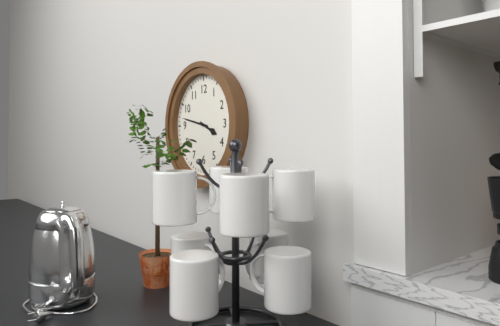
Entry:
3,47
